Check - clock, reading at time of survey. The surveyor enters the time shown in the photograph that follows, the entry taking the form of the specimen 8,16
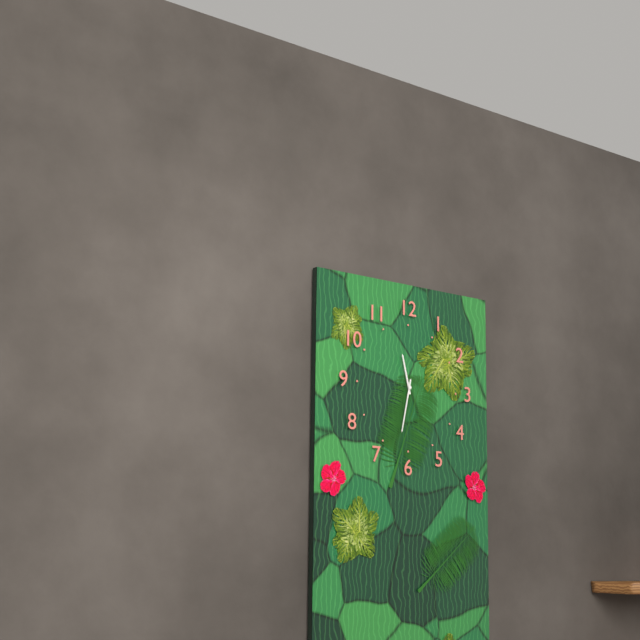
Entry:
11,32
